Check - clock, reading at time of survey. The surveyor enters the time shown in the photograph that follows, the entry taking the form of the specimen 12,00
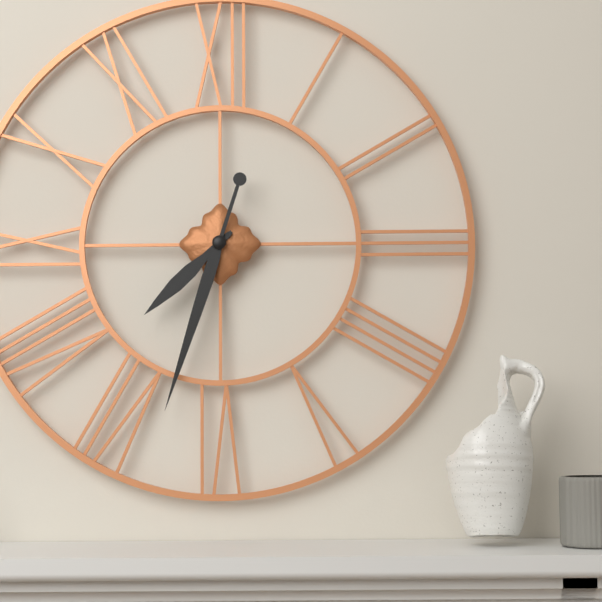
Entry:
7,33
